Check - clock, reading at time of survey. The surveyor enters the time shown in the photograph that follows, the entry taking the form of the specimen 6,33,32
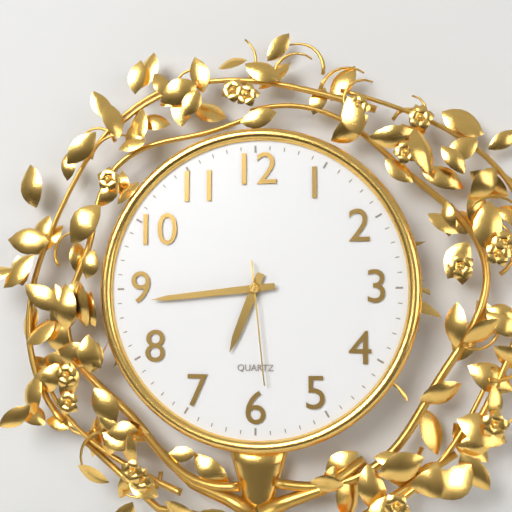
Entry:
6,44,29
